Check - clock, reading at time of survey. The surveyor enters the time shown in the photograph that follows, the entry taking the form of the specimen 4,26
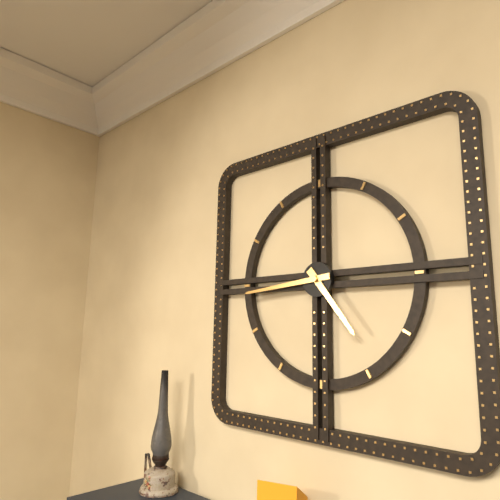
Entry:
4,44
